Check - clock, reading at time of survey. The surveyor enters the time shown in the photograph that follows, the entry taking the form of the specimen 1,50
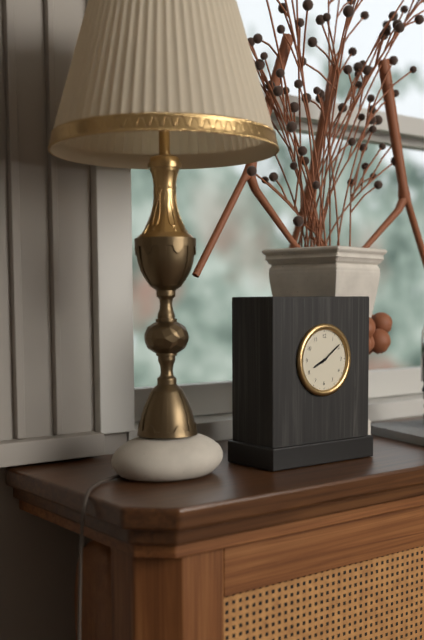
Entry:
8,09
